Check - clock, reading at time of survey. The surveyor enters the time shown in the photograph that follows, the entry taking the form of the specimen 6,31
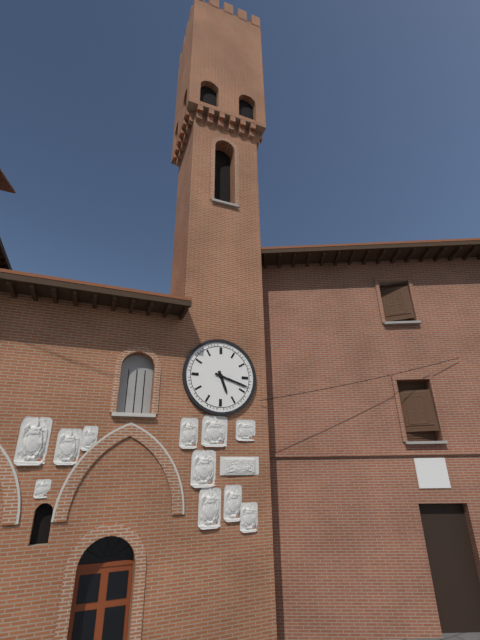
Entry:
5,18
